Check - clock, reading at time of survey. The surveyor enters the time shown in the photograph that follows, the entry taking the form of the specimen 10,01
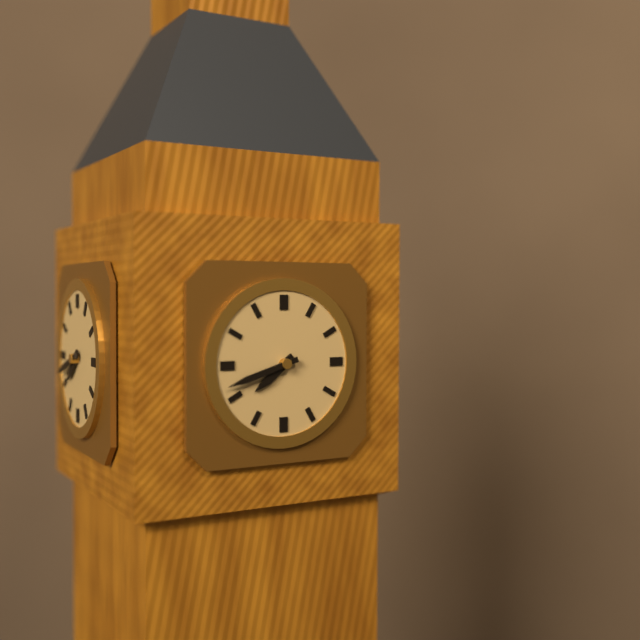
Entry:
7,42
